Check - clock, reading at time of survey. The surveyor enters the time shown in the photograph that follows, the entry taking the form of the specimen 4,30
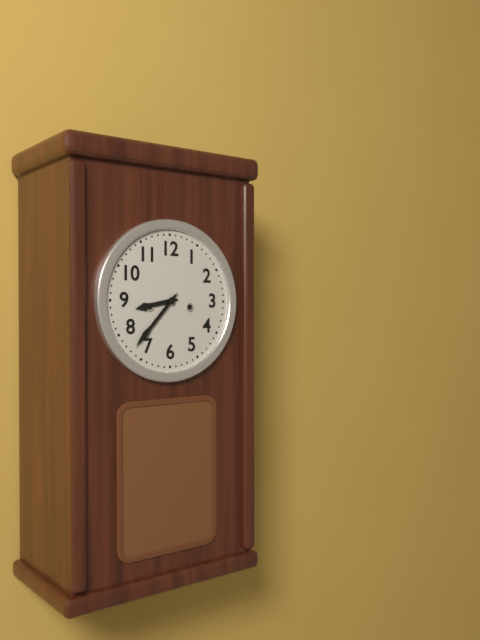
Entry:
8,37
